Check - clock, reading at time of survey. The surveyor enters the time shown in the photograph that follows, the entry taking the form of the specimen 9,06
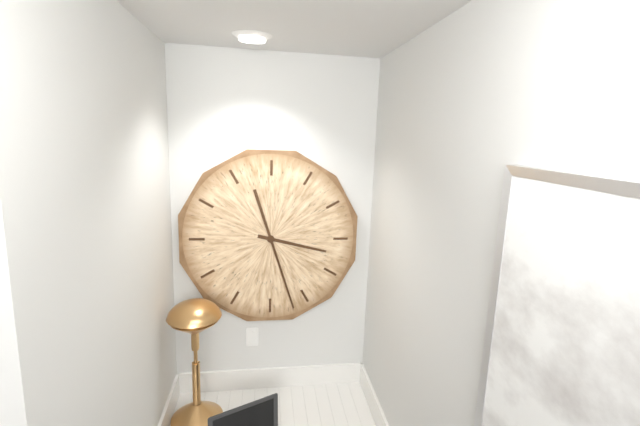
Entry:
3,27
